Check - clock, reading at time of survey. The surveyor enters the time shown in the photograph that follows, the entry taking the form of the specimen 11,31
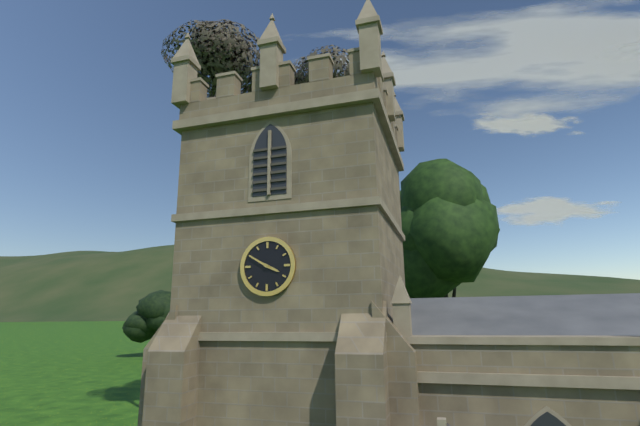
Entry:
3,50
